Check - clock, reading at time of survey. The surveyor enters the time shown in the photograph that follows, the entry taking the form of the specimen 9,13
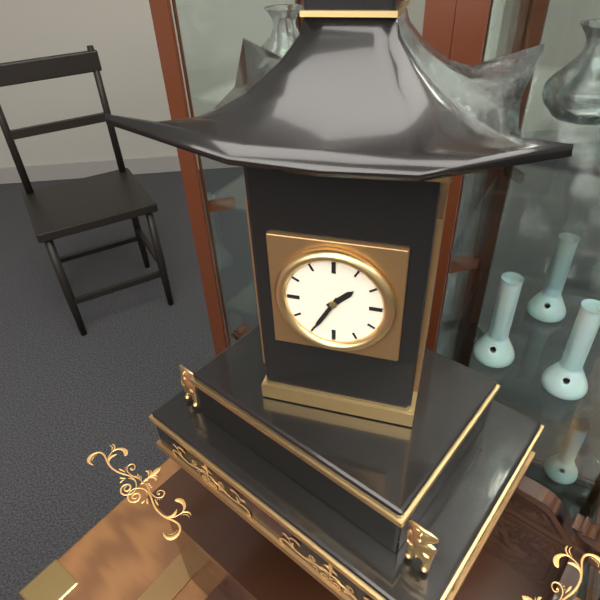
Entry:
1,35
